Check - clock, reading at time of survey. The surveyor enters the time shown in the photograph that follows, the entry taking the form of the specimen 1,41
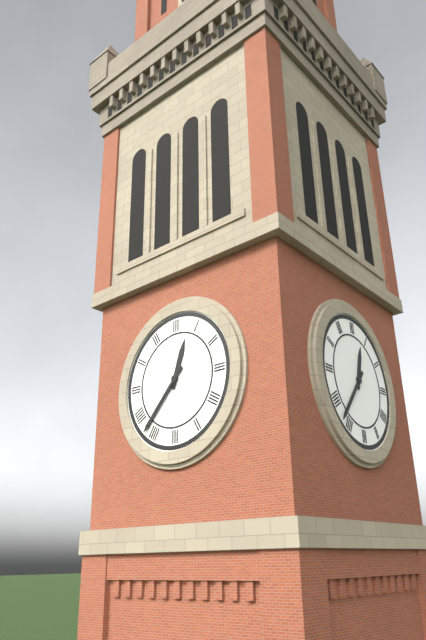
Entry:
12,37
